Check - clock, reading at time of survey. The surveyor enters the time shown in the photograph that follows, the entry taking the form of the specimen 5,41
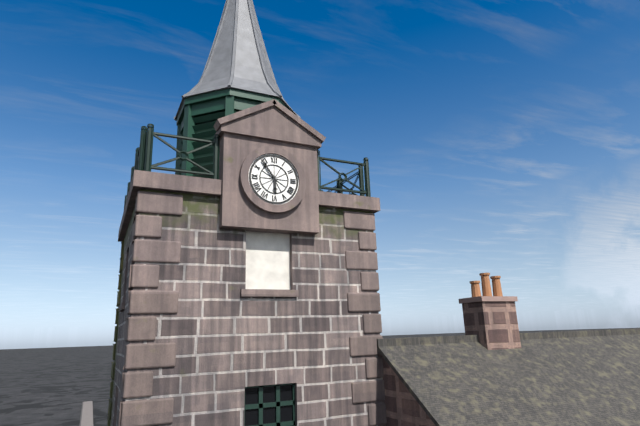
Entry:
5,54
